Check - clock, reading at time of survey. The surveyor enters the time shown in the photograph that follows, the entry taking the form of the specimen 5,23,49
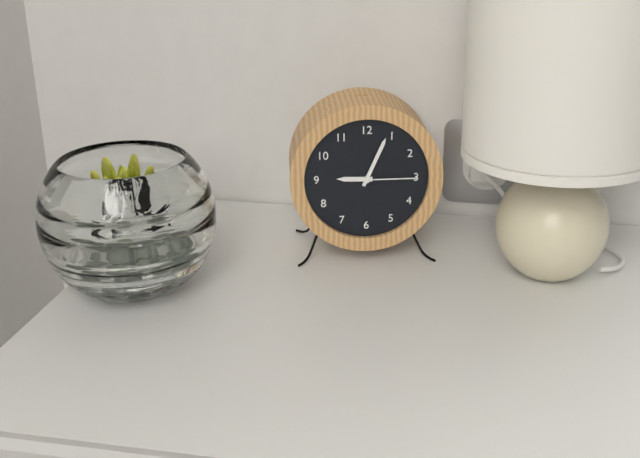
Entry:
9,04,15
